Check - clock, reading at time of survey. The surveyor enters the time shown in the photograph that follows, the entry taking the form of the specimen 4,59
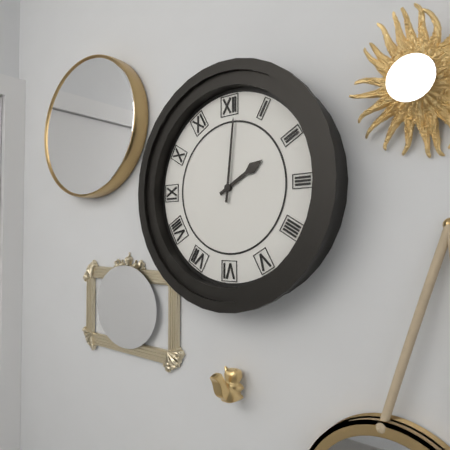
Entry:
2,01
